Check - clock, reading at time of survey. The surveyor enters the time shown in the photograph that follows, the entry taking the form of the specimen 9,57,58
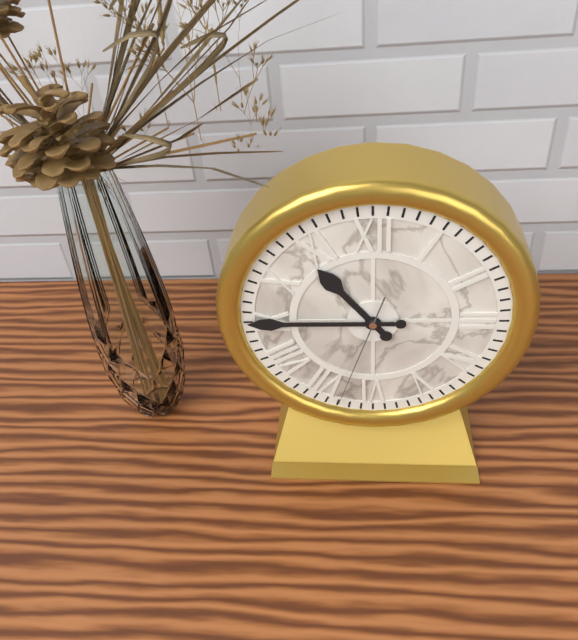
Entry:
10,45,33
